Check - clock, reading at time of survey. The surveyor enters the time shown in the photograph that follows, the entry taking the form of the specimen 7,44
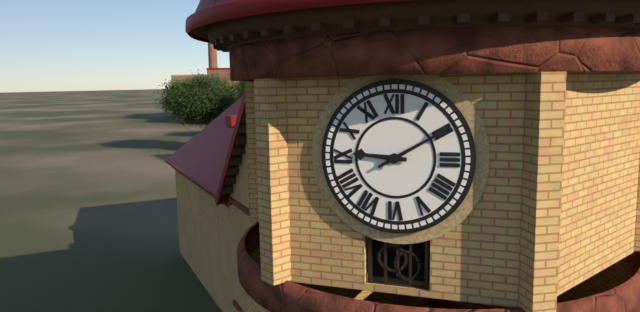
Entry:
9,10
